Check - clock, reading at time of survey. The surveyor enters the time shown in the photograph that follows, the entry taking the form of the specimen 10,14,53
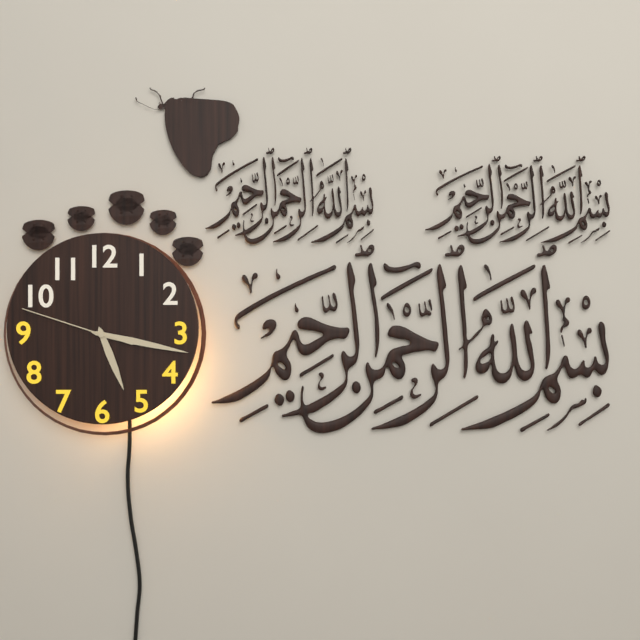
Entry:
5,17,48
